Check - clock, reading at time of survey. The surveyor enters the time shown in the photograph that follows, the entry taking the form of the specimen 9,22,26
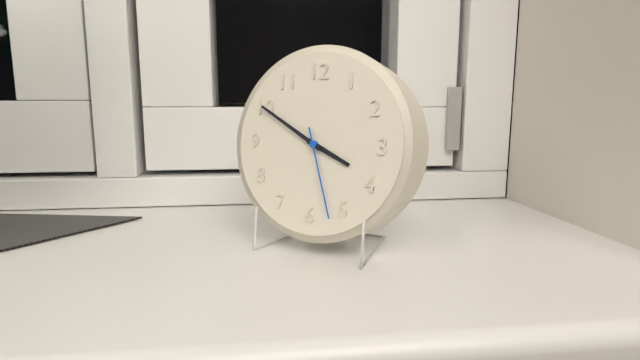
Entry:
3,50,27
